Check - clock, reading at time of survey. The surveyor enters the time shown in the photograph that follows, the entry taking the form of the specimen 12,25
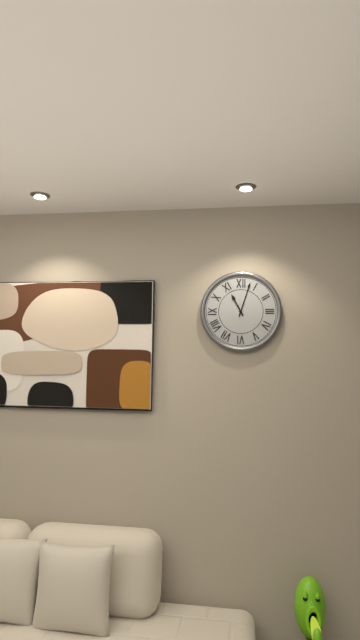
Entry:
11,03
